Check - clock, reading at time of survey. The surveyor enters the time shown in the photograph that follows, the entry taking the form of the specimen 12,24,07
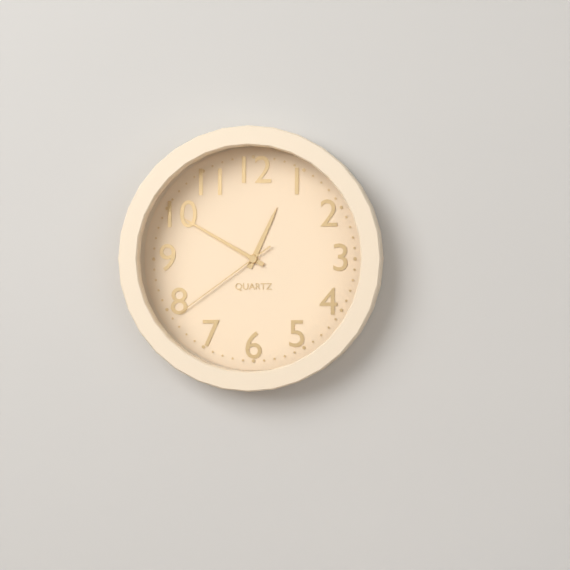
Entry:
12,50,39
